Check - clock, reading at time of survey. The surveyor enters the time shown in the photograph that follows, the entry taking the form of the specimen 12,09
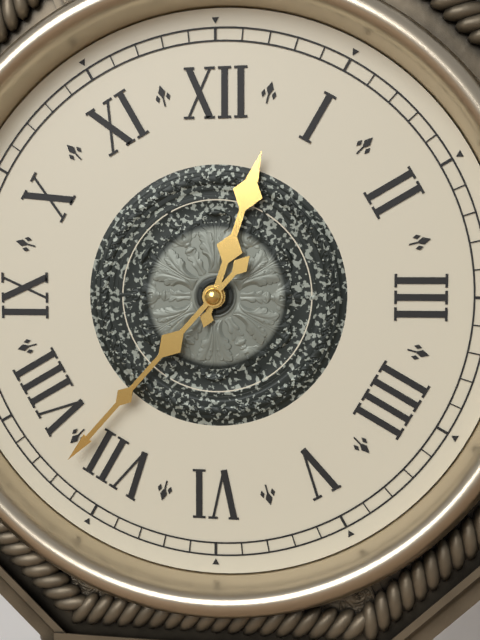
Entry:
12,37
